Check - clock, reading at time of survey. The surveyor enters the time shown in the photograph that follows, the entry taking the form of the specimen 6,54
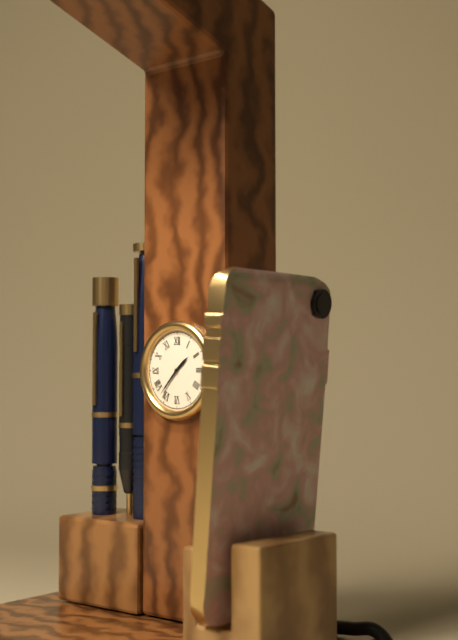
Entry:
1,37
